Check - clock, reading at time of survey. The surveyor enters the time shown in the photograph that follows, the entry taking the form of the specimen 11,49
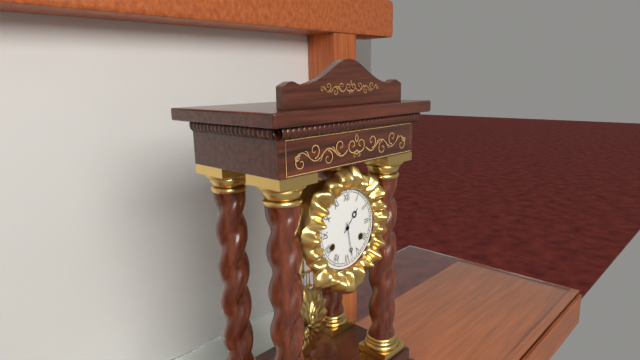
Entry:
1,28
